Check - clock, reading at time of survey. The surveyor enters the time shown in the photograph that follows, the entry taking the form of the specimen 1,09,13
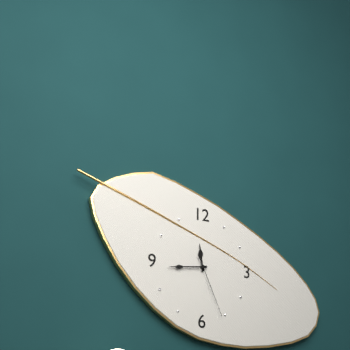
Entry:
11,44,26
